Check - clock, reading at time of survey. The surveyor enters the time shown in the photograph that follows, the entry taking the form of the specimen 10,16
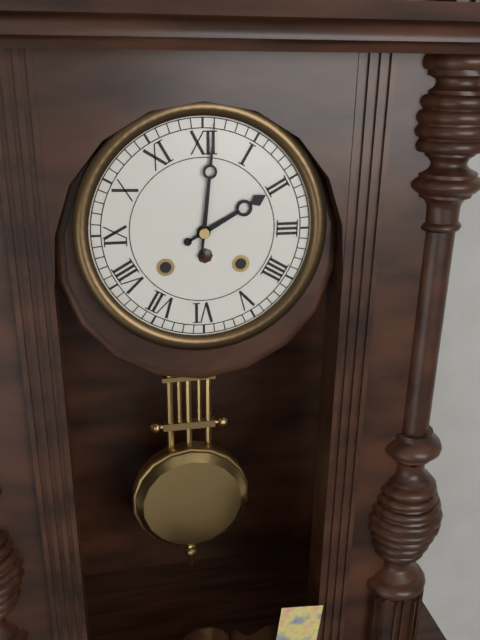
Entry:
2,01
